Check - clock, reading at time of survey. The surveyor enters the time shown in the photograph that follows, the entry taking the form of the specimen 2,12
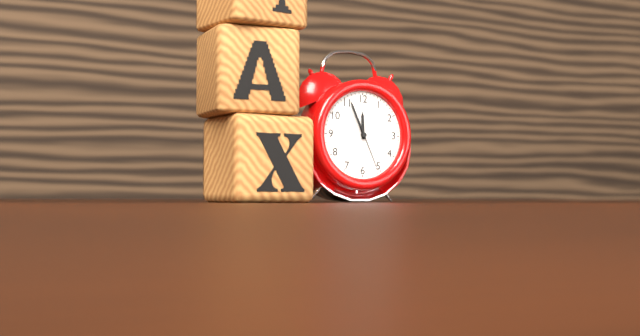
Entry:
11,56
